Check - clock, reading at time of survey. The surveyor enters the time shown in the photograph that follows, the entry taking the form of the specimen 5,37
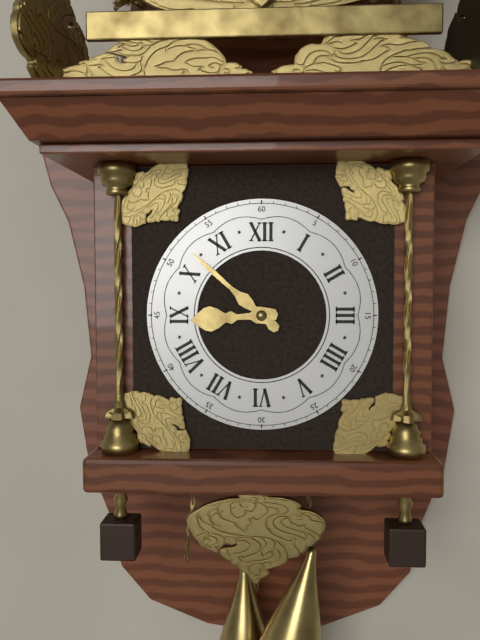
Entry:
8,52
